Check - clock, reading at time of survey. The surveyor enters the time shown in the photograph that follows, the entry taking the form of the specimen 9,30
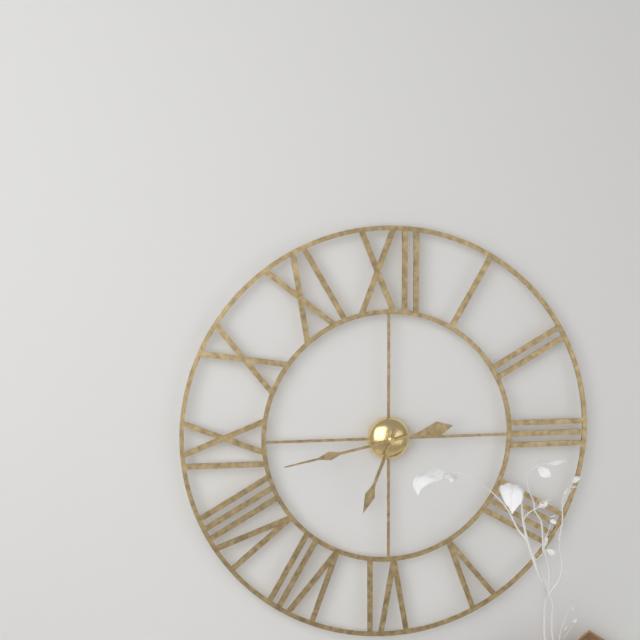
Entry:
6,43
